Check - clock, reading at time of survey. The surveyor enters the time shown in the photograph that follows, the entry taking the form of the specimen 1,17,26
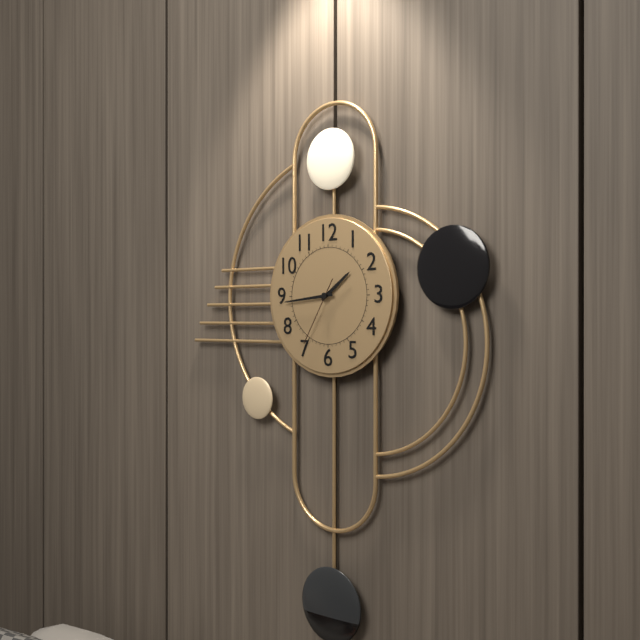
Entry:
1,44,35
